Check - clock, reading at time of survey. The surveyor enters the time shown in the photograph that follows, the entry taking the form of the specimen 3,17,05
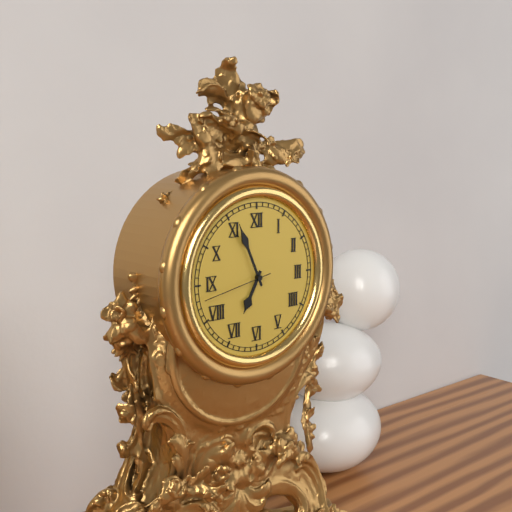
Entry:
6,56,43
